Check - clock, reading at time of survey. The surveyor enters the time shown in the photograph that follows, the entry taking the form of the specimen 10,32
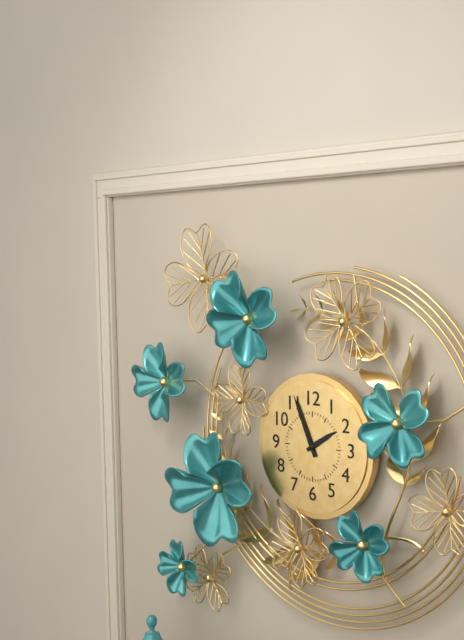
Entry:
1,56
